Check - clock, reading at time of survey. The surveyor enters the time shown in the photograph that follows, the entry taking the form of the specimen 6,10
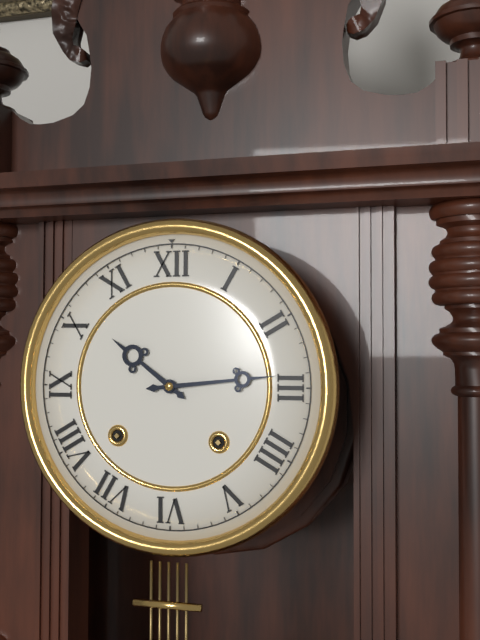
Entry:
10,14
